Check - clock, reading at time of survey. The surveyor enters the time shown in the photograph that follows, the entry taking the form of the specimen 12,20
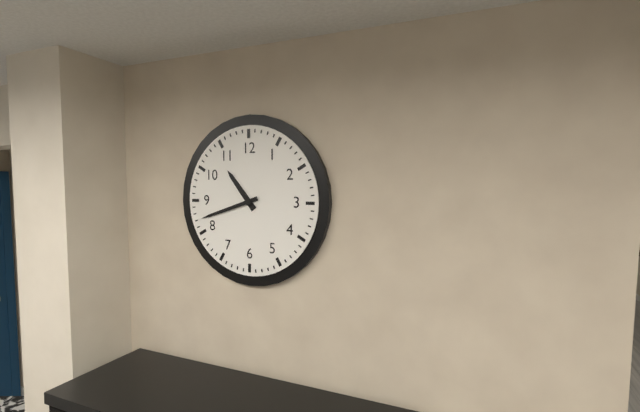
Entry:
10,42
